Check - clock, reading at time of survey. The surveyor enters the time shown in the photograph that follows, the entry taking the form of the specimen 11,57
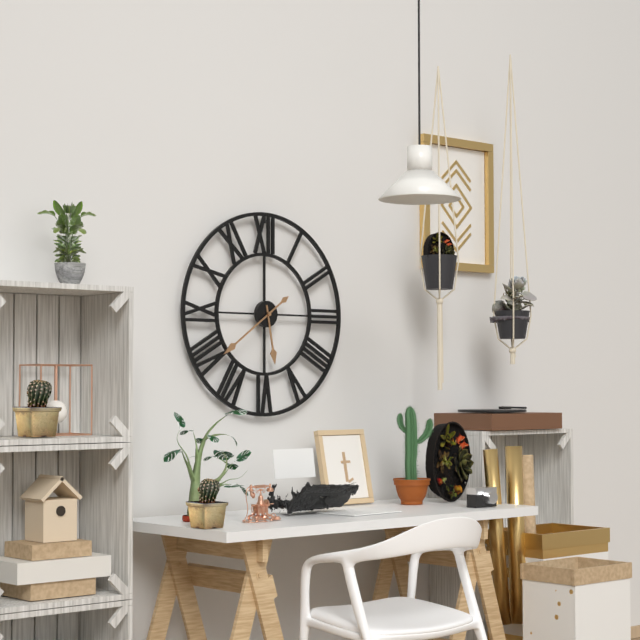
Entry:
5,39
